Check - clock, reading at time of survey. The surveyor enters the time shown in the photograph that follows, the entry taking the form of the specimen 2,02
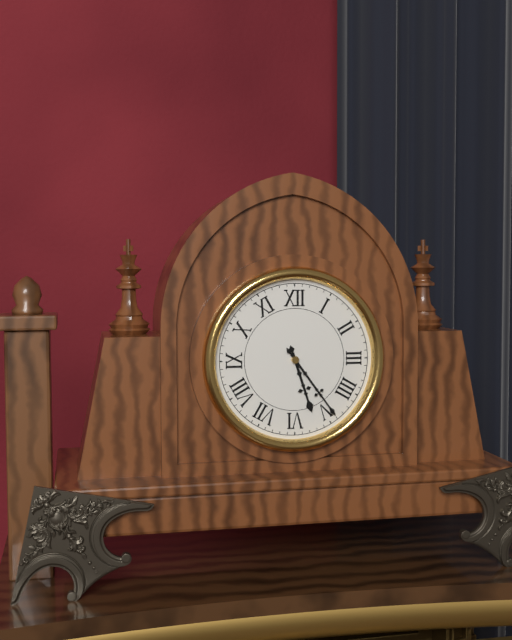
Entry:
5,24
